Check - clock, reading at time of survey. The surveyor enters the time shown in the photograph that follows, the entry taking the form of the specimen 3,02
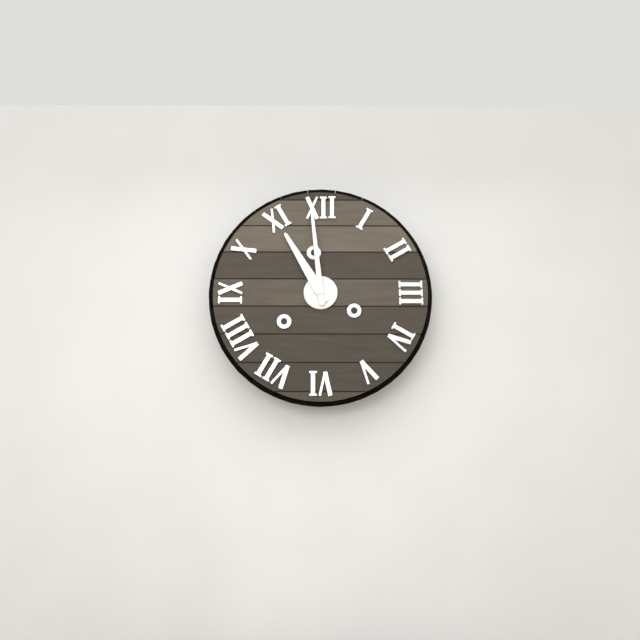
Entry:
10,59
